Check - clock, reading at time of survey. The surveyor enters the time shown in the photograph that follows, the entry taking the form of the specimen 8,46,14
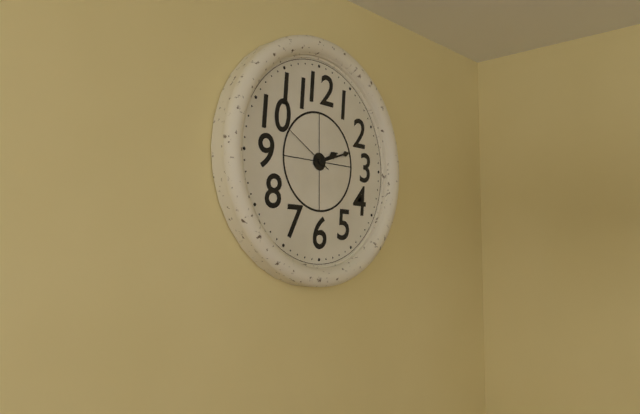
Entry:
2,12,50
